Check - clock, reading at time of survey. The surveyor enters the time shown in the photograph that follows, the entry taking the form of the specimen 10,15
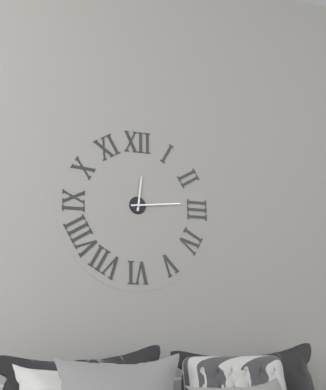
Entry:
12,14
